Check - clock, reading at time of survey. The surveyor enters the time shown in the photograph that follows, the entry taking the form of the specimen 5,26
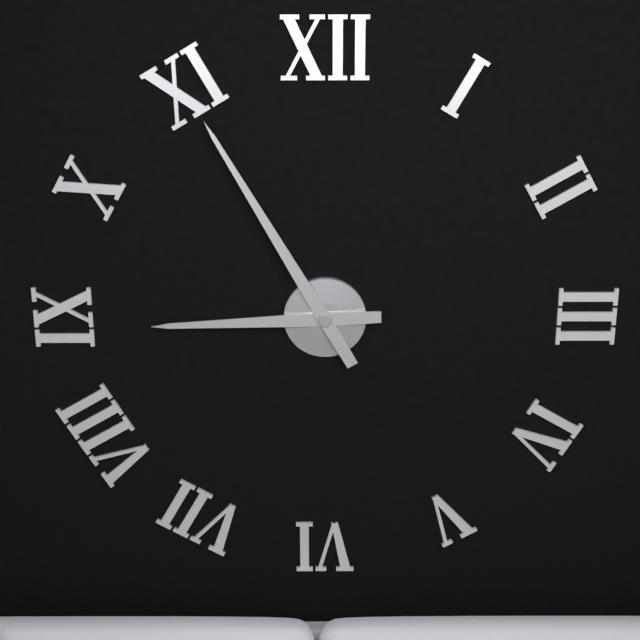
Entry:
8,55
